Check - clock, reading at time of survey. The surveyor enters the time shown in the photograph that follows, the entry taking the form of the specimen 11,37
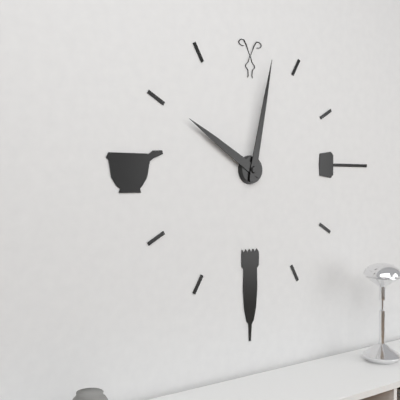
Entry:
10,02
